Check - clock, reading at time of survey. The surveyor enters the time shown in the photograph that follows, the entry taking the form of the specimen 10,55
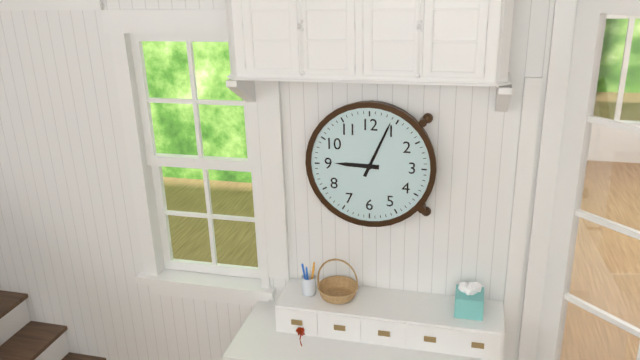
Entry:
9,04
